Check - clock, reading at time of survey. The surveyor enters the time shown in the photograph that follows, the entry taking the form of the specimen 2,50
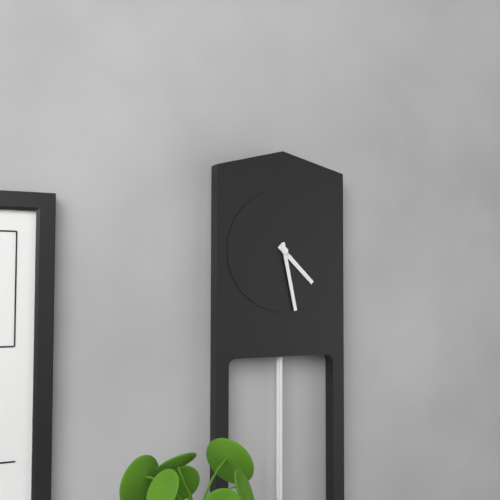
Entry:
4,28
